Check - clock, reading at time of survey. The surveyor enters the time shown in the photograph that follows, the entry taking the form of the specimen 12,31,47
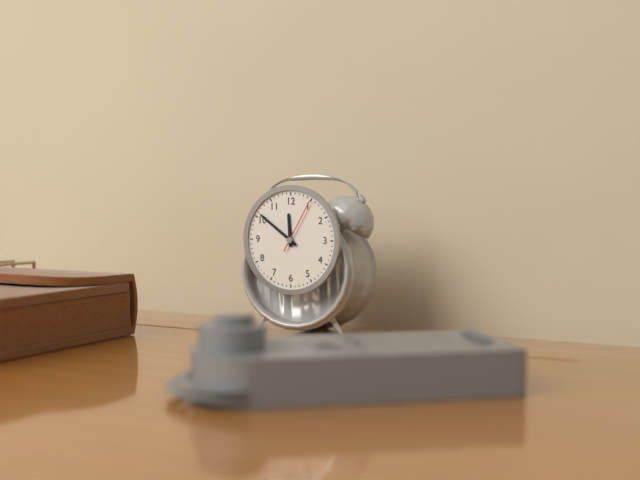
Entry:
11,51,05
